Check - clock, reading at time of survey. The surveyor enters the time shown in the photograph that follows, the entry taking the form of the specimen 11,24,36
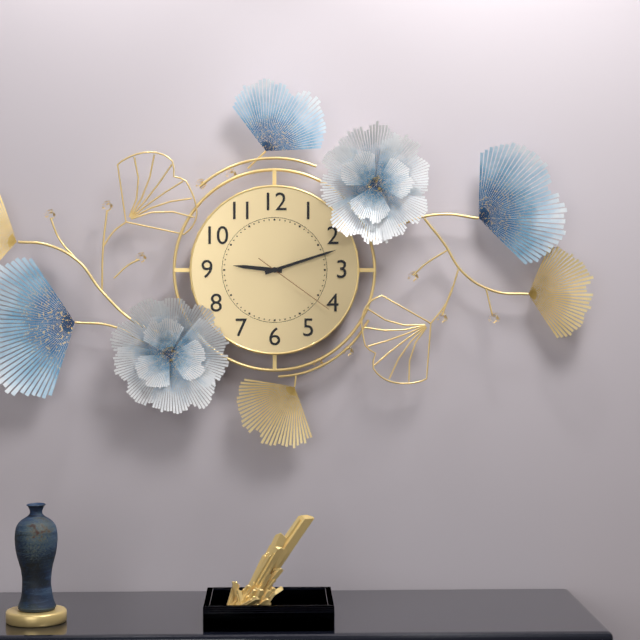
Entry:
9,12,21
